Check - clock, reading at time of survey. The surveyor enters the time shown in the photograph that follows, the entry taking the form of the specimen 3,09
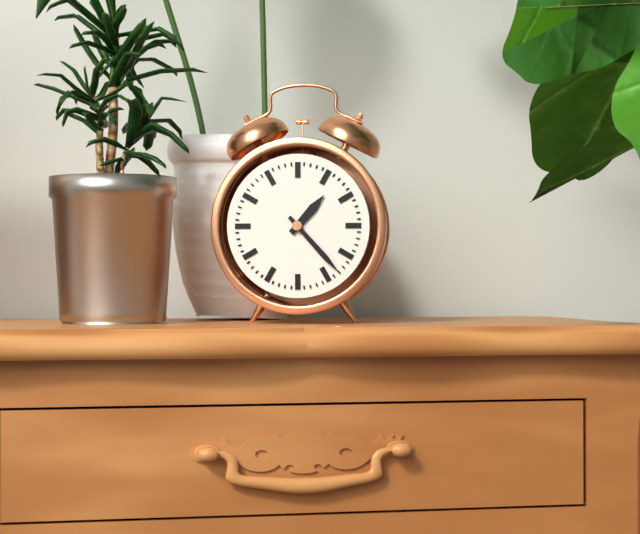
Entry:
1,23
